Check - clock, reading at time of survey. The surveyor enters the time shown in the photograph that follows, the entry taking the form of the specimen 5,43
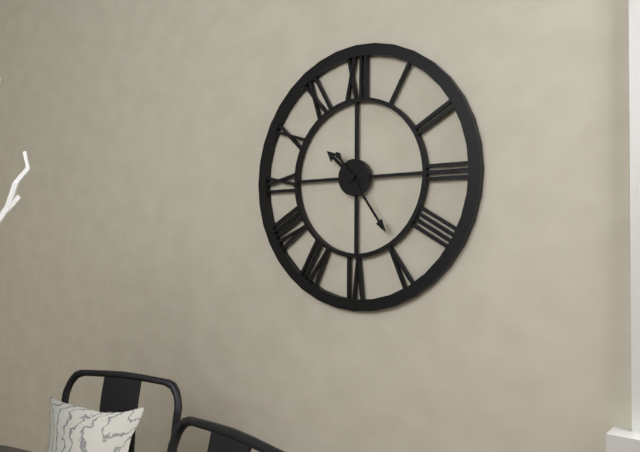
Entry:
10,24
